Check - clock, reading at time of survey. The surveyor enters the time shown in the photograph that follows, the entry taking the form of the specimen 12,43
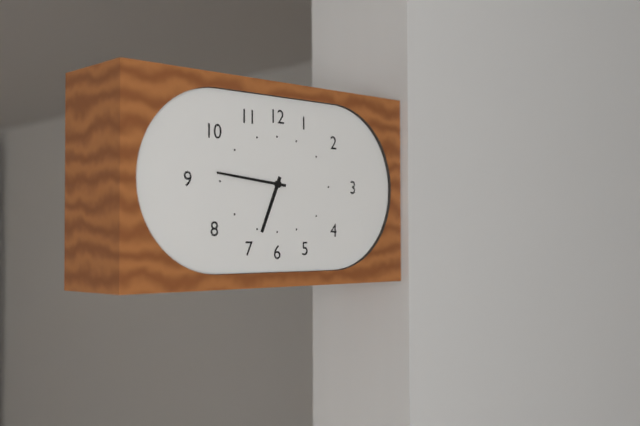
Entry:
6,46
